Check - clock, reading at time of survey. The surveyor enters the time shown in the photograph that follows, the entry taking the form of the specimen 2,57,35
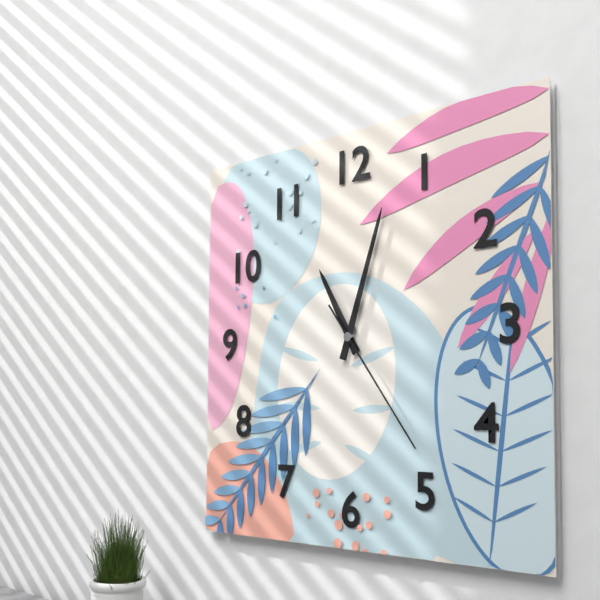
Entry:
11,03,24
